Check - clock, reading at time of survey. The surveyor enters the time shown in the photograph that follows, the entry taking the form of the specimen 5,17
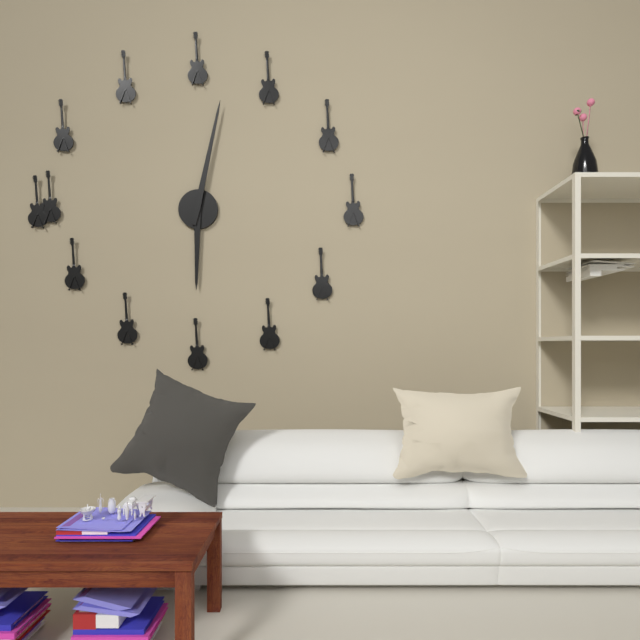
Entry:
6,02
